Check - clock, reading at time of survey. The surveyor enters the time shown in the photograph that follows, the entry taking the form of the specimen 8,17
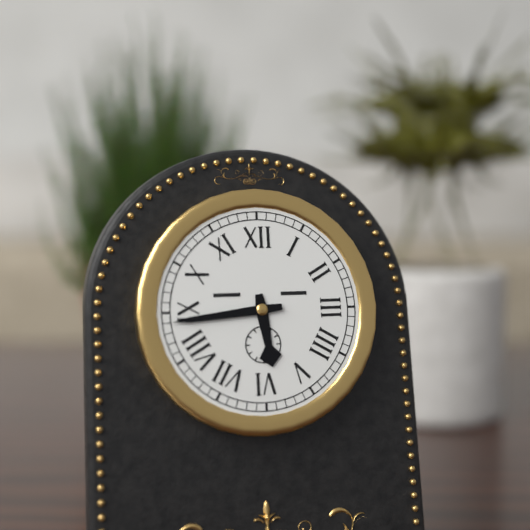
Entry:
5,44
